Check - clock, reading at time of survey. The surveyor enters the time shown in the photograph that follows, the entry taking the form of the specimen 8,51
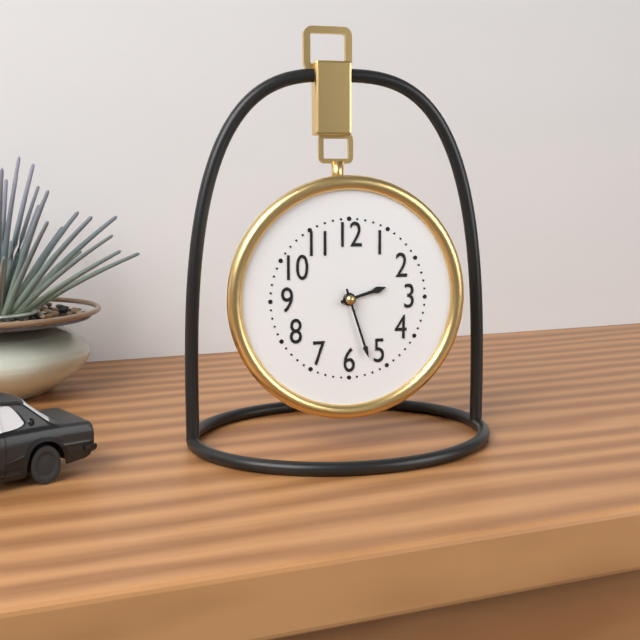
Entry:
2,27
